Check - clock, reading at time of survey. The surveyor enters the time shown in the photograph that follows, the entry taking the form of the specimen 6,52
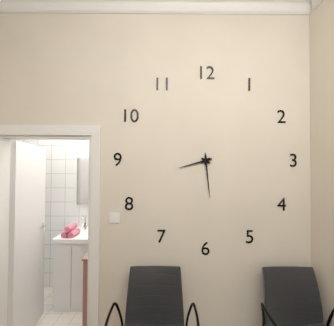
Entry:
8,29
